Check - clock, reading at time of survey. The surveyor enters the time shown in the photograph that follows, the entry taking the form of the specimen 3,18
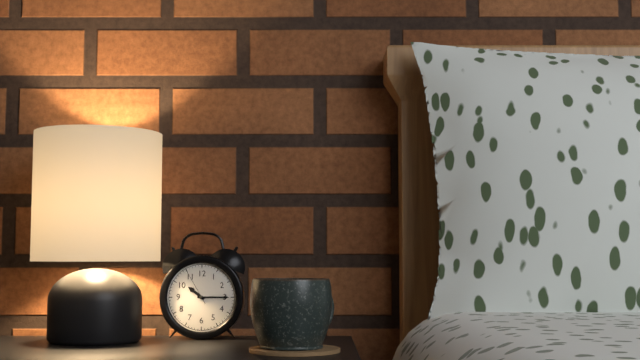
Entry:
10,15
